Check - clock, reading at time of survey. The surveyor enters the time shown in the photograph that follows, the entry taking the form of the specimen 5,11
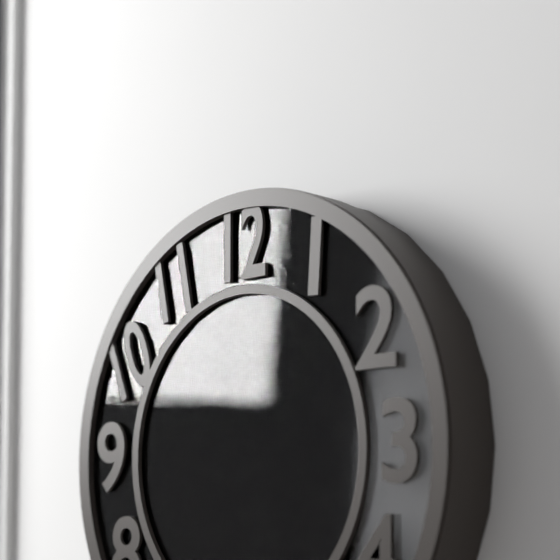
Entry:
11,05
